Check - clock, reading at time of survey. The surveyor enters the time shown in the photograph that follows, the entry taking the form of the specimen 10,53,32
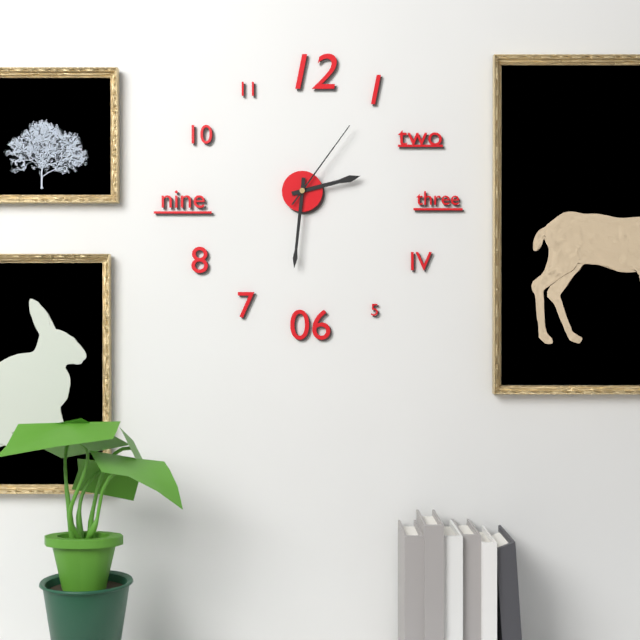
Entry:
2,31,06
